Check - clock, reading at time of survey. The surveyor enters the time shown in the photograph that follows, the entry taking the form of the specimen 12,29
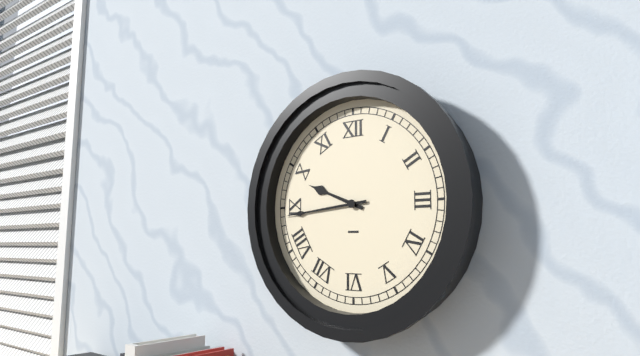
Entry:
9,44
